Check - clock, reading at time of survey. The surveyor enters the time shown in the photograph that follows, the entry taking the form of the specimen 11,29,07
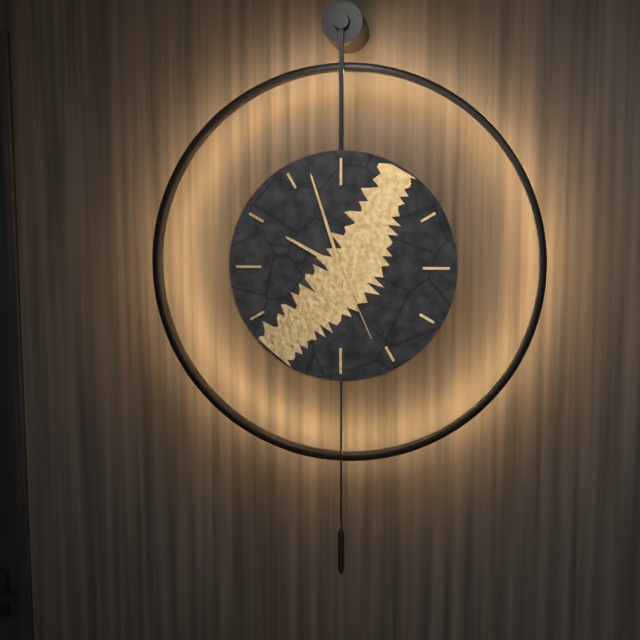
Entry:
9,57,26
